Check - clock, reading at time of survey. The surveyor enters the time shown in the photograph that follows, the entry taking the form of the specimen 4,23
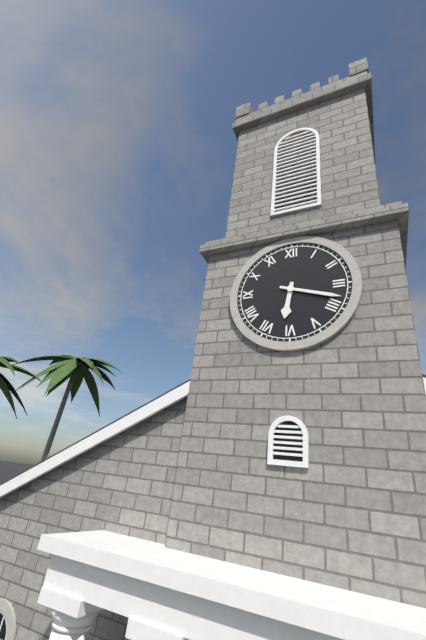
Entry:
6,18
